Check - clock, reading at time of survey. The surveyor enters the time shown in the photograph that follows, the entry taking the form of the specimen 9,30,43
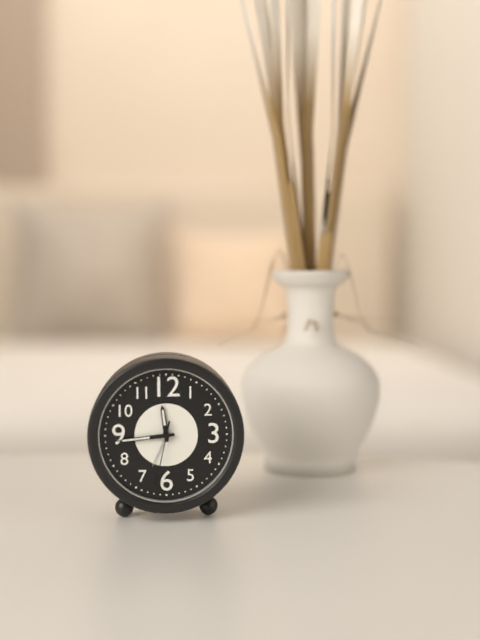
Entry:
11,44,32
